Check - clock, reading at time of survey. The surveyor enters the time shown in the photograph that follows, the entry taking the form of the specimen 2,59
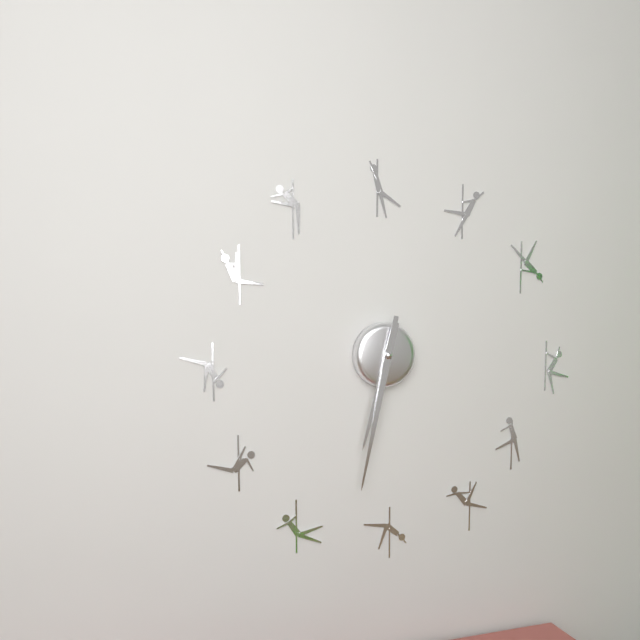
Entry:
6,32
